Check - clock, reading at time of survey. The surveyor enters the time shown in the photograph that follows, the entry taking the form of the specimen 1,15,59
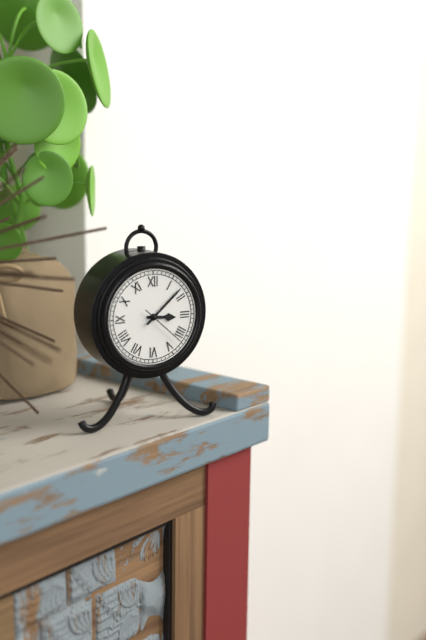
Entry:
3,08,22
